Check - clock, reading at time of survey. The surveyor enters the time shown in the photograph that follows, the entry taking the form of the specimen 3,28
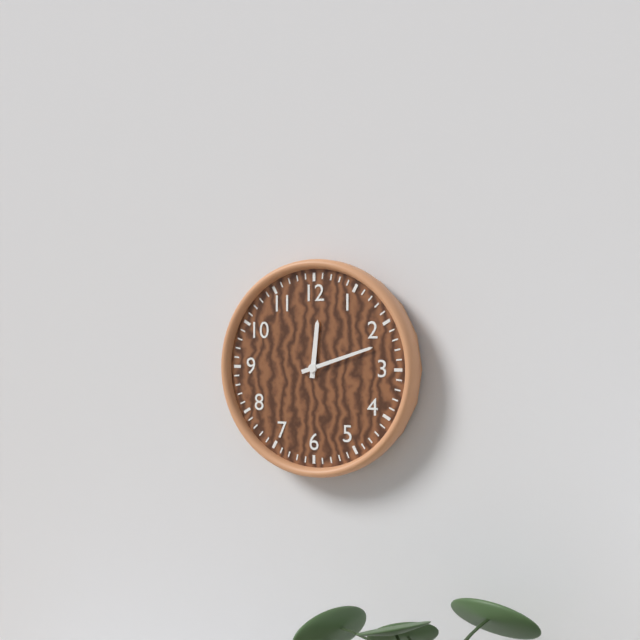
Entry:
12,12
